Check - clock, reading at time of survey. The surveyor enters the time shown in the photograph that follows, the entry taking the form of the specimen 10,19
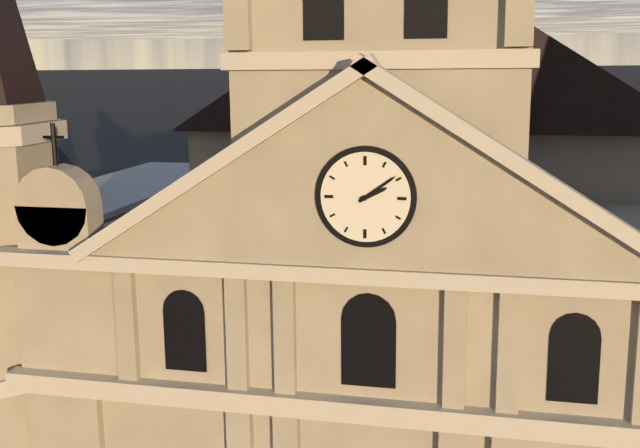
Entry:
2,09
